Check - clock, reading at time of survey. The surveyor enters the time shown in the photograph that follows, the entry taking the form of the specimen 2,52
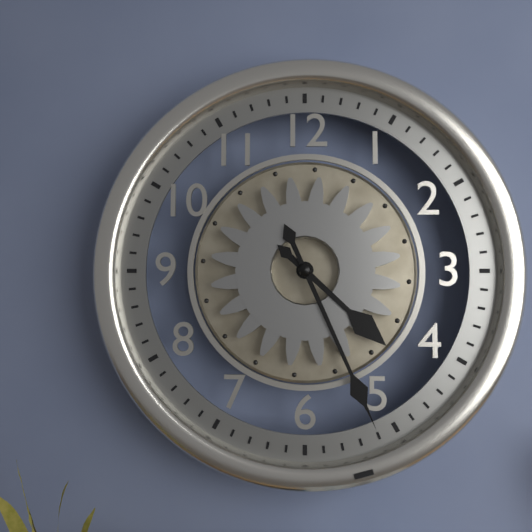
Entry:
4,26
